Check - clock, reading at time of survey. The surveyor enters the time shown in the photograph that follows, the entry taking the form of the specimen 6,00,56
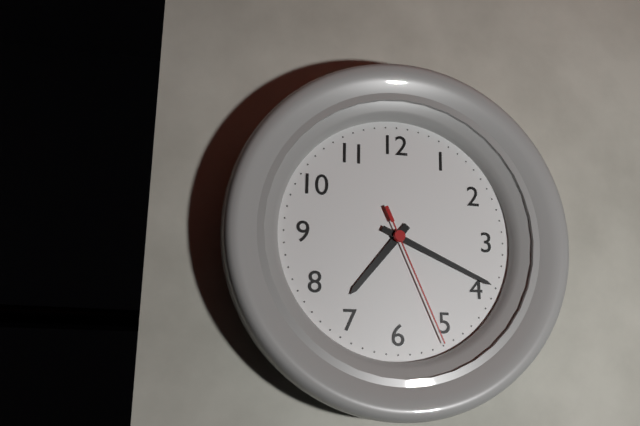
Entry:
7,19,26
